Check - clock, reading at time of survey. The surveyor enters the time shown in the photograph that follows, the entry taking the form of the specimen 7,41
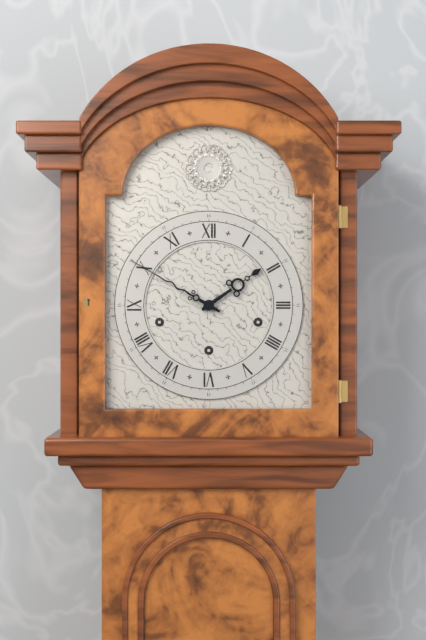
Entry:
1,50
